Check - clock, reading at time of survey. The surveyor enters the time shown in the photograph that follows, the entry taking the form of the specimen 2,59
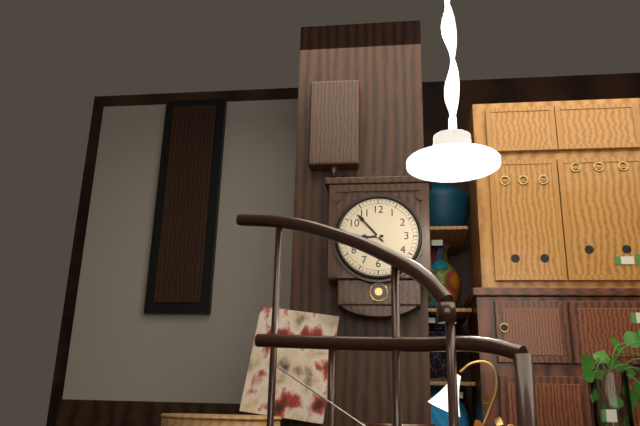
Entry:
8,53
